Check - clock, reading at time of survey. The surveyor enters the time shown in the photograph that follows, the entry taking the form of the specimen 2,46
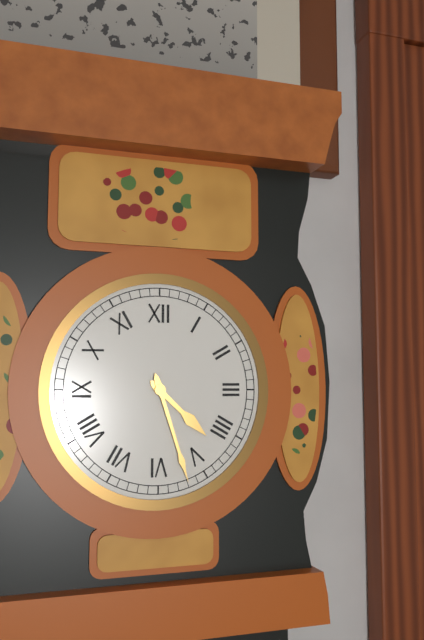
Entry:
4,27
